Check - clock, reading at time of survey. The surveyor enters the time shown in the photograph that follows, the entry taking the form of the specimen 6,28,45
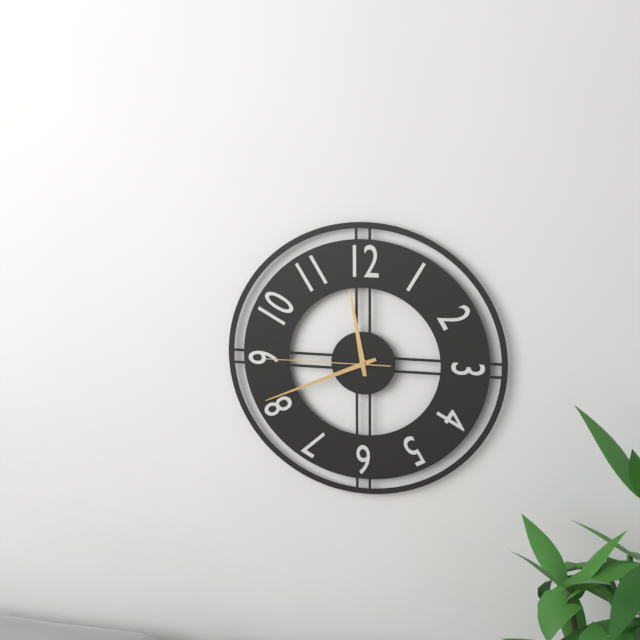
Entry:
11,41,45
